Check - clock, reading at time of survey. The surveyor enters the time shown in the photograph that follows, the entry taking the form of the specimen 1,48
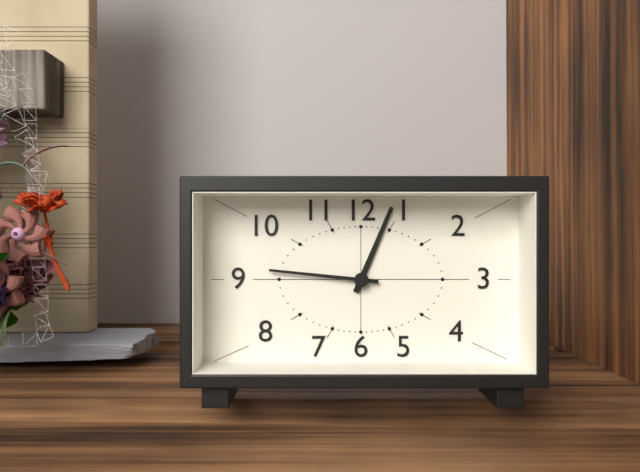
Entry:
12,46
